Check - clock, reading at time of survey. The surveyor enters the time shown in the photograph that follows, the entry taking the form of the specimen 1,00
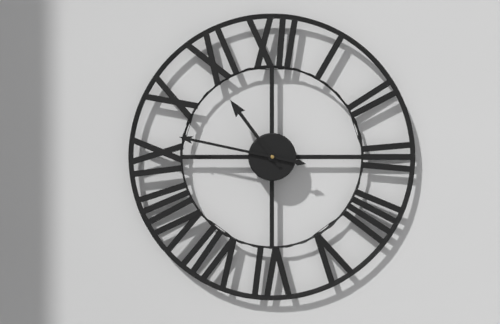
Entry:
10,47
